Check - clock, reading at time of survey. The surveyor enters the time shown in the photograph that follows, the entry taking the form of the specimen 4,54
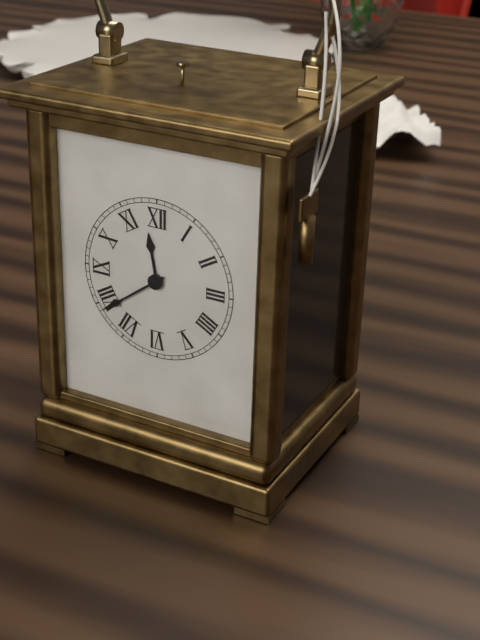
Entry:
11,39
